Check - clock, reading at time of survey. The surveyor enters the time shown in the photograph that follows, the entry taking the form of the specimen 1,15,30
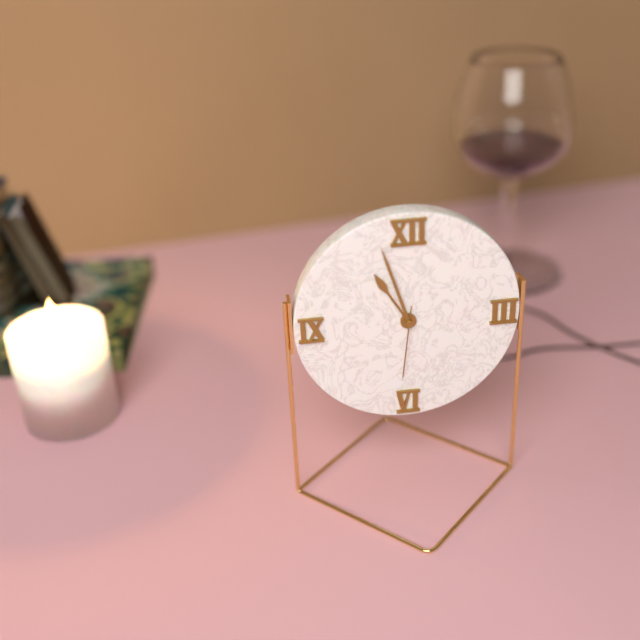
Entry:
10,57,31
